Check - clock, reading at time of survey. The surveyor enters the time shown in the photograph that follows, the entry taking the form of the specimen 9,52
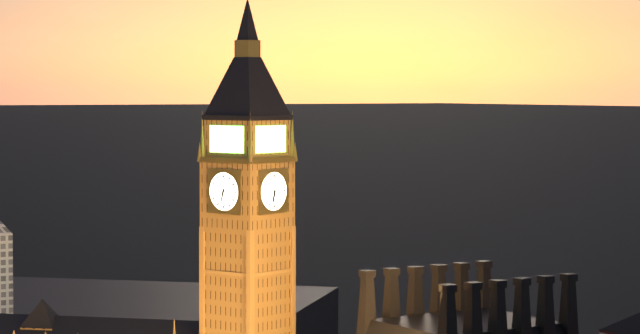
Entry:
6,32
